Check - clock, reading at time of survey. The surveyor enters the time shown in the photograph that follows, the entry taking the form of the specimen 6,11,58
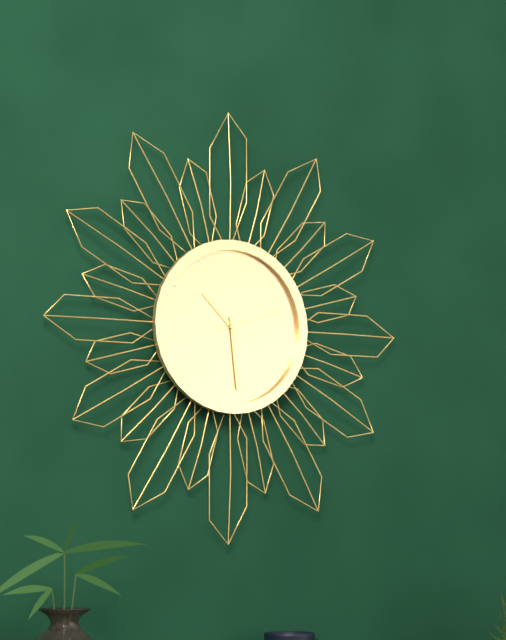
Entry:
10,29,12
